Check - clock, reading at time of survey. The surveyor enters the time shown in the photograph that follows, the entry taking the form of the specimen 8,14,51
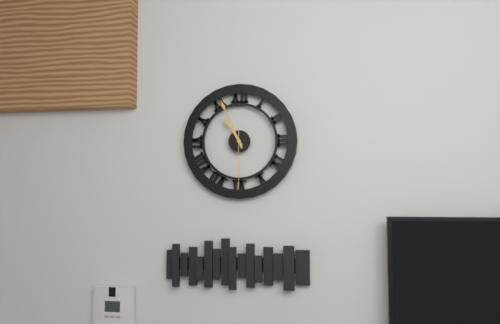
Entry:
10,56,30
